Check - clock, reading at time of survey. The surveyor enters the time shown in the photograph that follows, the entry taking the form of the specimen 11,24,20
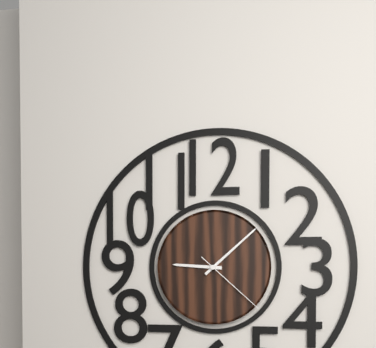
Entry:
9,08,22
